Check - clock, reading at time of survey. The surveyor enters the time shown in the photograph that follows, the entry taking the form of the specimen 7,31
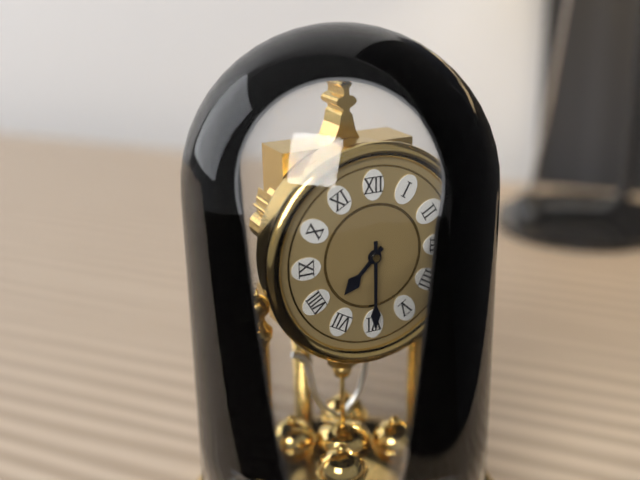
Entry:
7,30
